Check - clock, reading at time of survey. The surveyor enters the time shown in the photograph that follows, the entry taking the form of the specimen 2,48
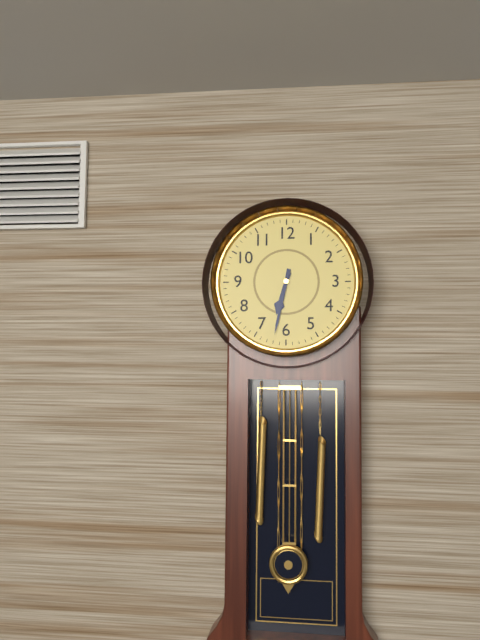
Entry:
6,32
